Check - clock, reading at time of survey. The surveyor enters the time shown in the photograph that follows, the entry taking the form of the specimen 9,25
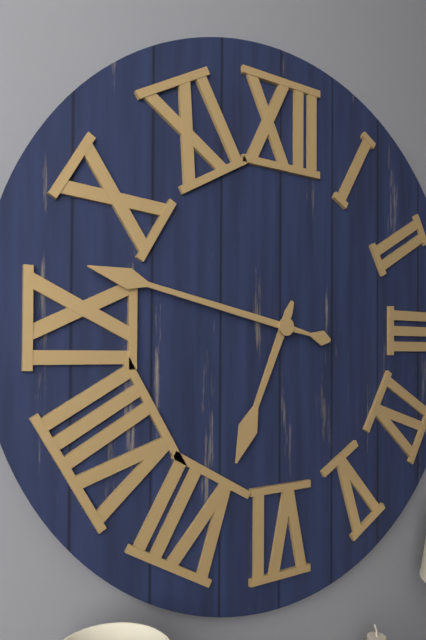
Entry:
6,47
